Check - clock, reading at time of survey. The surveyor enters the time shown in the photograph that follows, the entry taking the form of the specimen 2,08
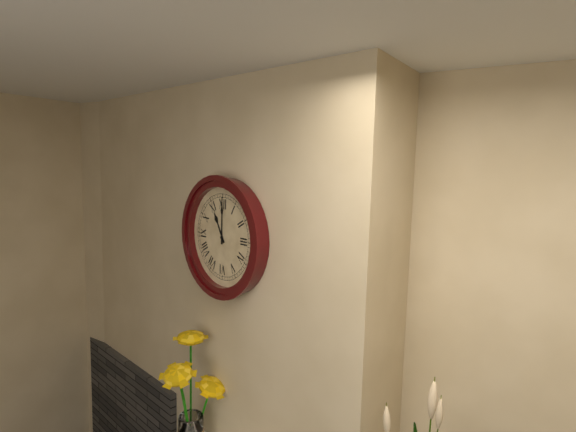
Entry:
11,00
